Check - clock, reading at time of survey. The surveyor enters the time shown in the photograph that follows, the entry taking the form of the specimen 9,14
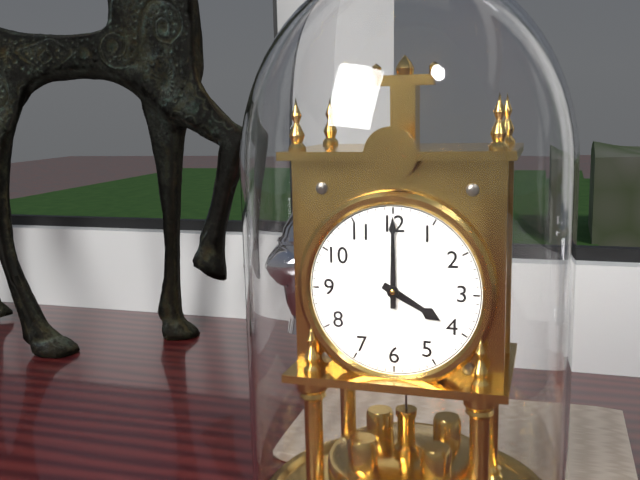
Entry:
4,00
